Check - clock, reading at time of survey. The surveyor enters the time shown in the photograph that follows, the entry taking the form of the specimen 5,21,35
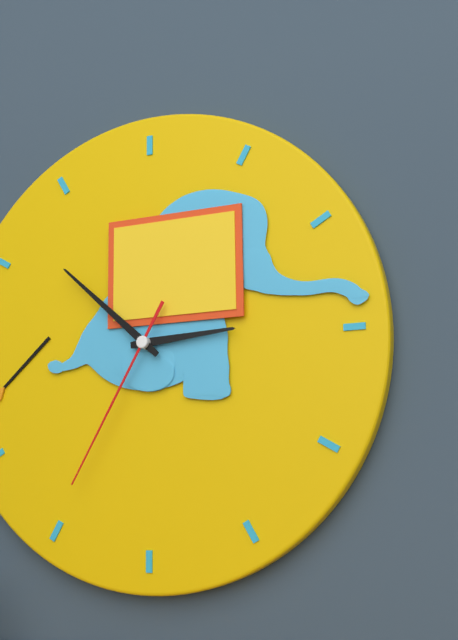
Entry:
2,52,35
